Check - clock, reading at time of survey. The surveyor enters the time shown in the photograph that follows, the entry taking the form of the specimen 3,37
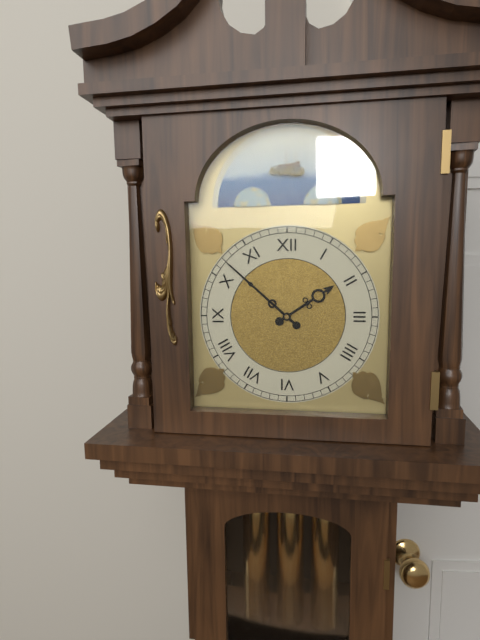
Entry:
1,52
